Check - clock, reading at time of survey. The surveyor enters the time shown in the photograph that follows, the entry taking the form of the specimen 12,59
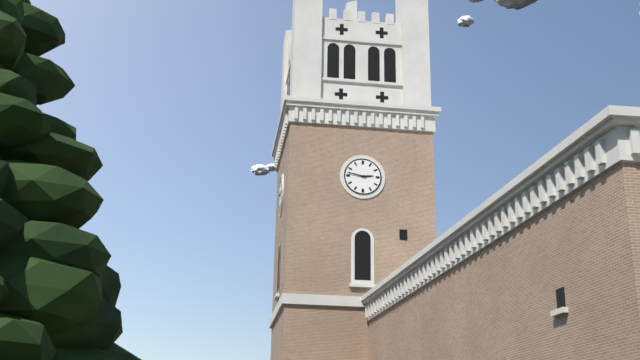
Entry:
2,47
